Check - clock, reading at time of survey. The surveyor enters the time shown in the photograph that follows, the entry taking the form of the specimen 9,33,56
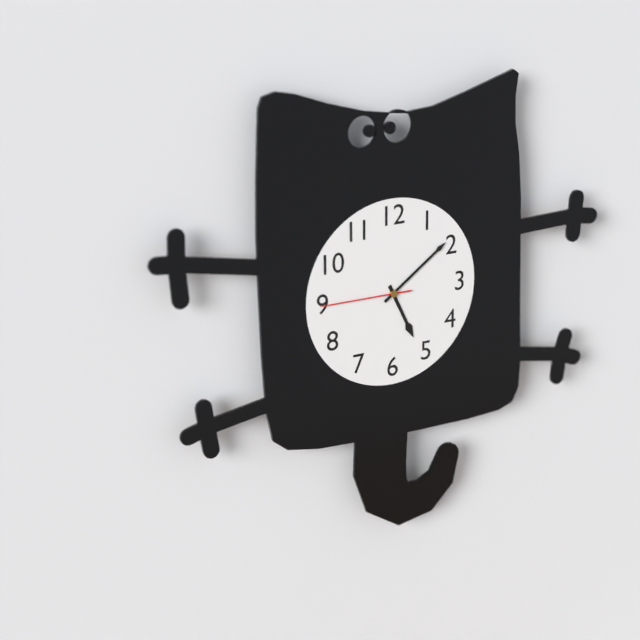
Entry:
5,09,45
